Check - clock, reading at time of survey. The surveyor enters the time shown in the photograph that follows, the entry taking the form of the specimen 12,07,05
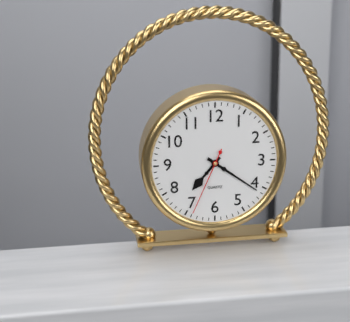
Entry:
7,21,34
